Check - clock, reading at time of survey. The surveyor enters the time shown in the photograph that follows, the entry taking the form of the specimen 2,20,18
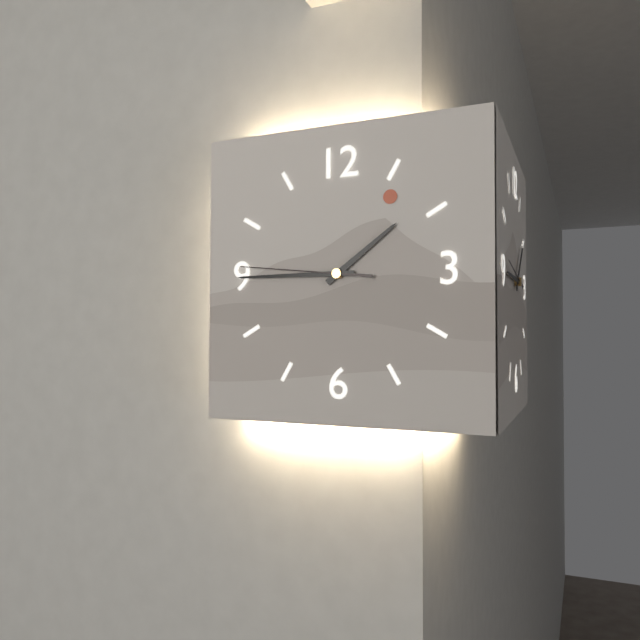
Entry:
1,45,46
